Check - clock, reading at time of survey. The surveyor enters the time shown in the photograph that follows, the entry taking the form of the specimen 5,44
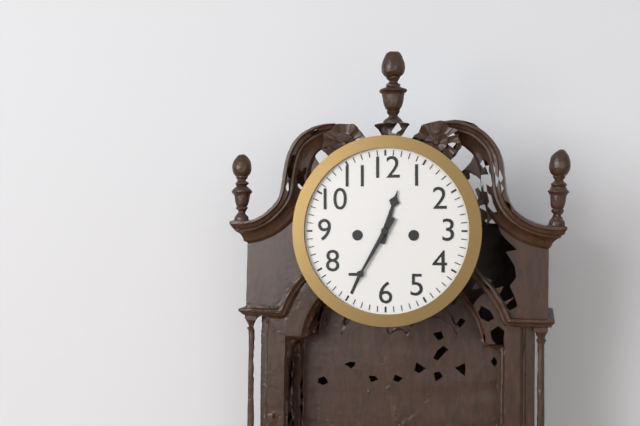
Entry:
12,35
